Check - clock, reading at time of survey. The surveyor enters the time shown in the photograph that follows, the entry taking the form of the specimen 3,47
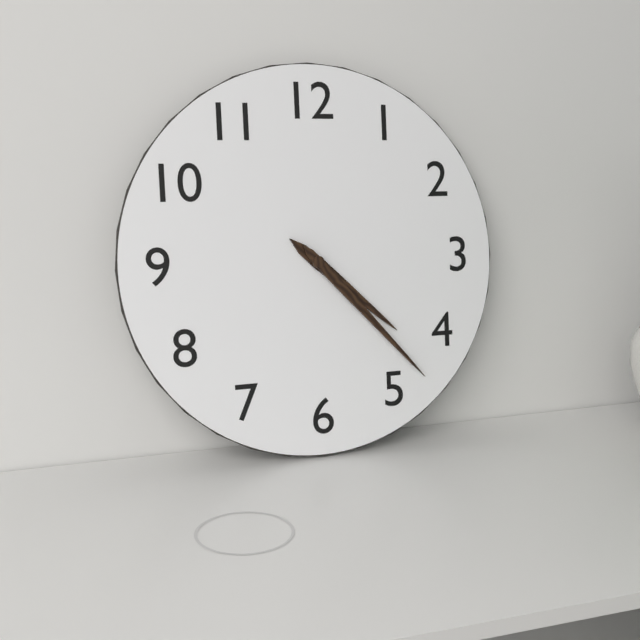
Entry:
4,23
